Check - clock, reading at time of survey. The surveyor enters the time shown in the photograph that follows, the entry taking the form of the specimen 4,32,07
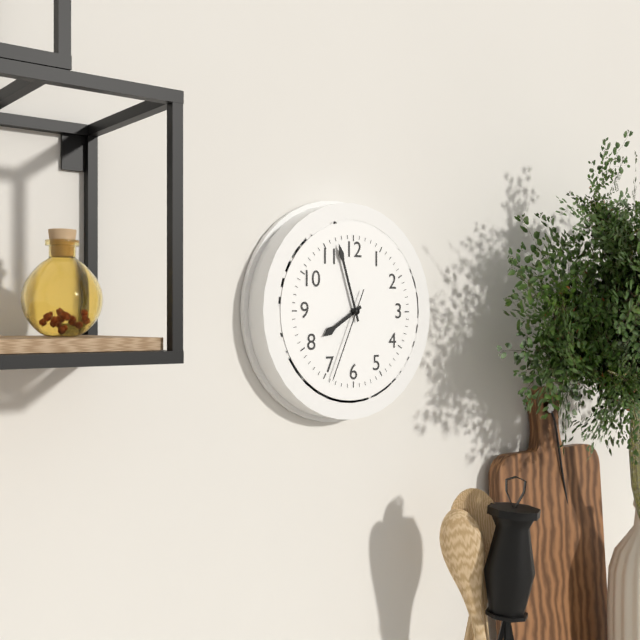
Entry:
7,57,34
